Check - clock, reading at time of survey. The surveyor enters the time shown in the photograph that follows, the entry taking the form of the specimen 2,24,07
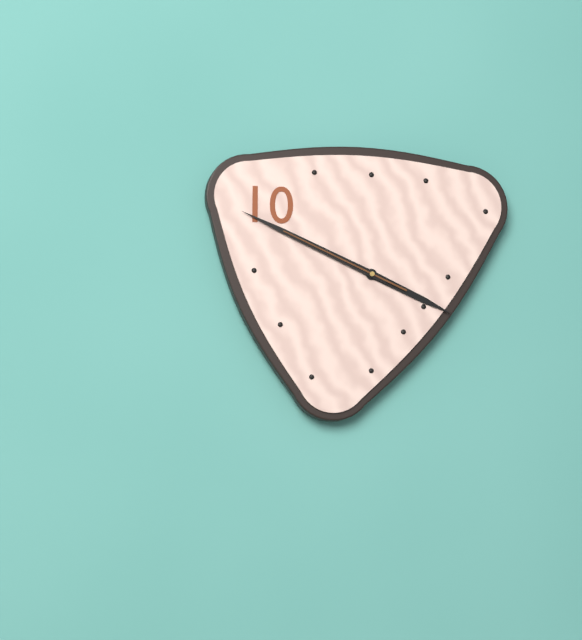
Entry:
3,49,49
